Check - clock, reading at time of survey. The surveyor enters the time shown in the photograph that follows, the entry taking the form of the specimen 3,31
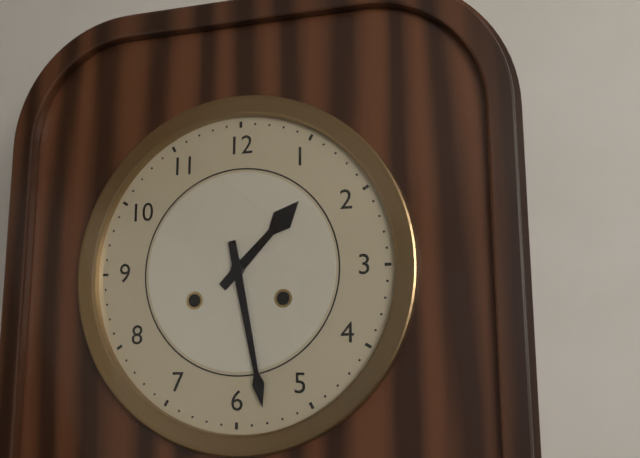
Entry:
1,28
